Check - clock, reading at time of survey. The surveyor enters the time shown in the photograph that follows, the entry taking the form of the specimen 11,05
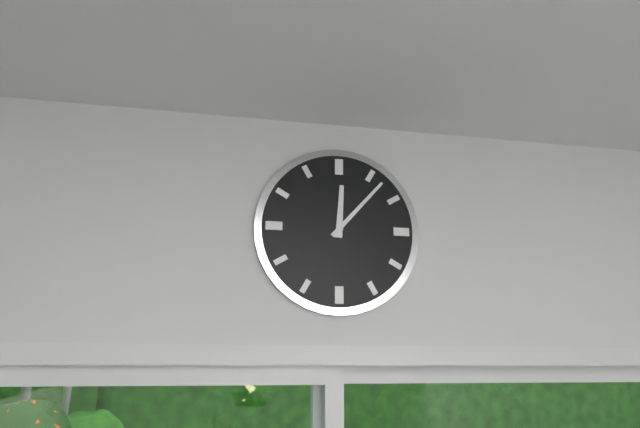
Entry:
12,07
